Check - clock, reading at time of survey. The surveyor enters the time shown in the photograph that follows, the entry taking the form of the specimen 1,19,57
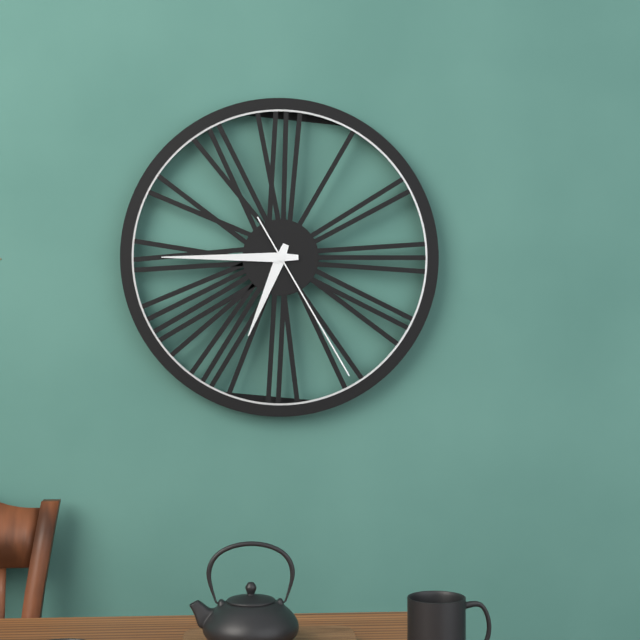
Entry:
6,45,25
